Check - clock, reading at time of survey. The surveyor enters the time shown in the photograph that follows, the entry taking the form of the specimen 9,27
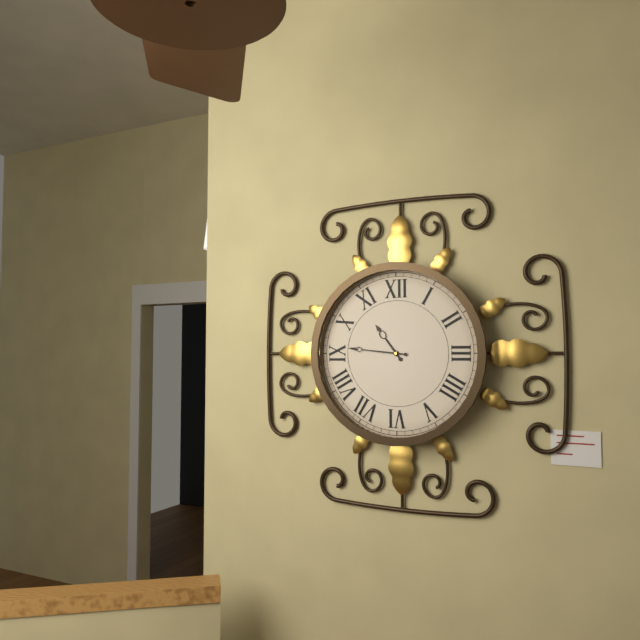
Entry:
10,46
